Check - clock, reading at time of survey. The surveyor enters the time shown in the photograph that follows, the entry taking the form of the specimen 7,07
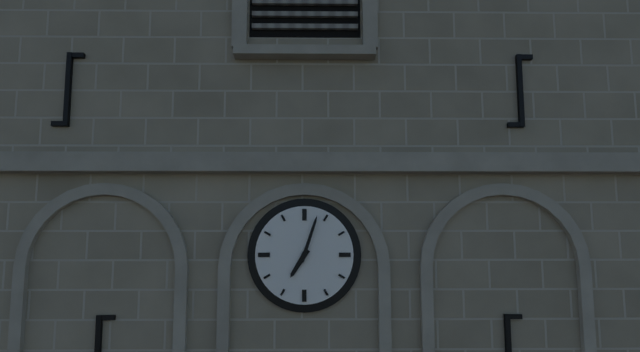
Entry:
7,03
